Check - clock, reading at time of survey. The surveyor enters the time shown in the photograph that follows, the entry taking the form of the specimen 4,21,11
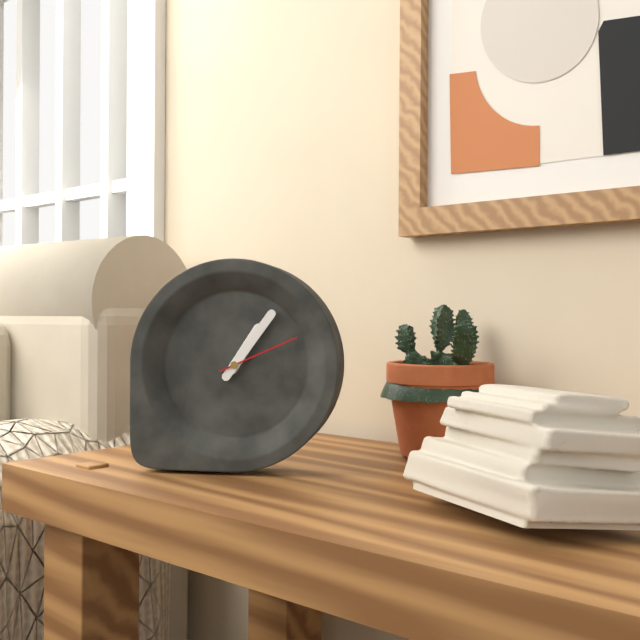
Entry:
1,06,11
